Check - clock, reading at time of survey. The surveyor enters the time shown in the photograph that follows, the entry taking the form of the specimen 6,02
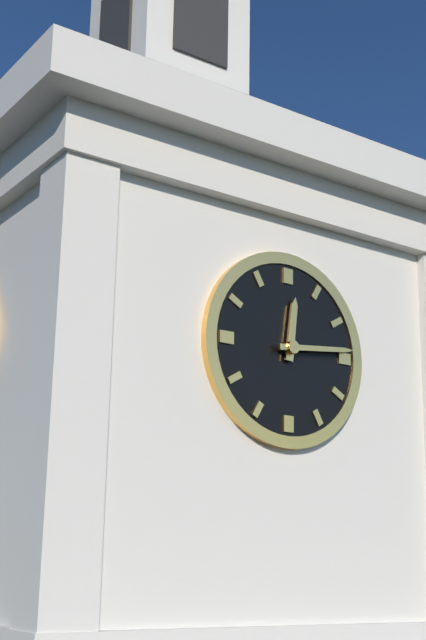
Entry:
12,14
